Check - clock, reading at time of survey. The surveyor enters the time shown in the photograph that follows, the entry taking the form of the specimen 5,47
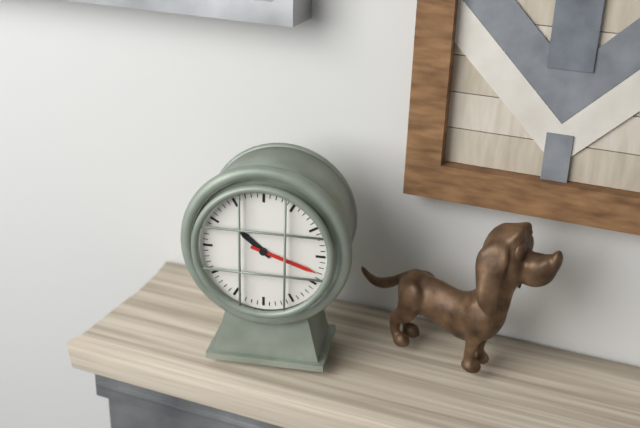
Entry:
10,18
